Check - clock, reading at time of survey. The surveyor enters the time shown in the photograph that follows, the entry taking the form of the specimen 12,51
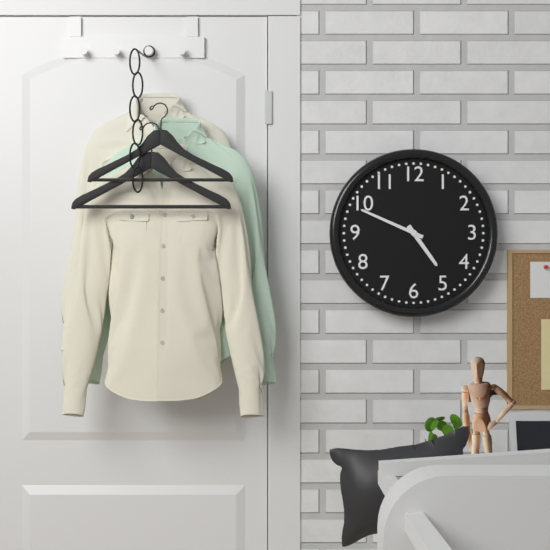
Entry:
4,49
